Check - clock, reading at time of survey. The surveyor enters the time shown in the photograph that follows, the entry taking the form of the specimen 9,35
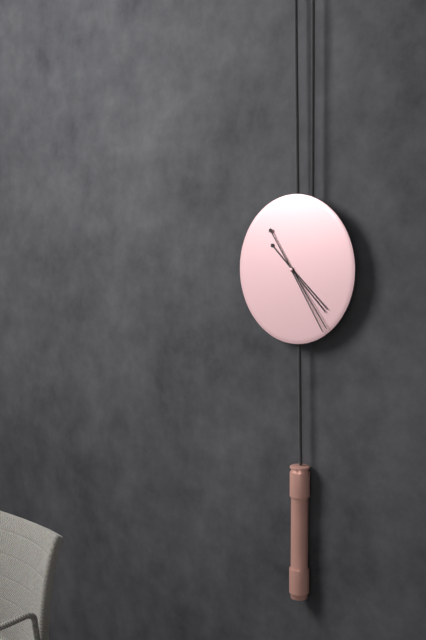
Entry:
4,24
